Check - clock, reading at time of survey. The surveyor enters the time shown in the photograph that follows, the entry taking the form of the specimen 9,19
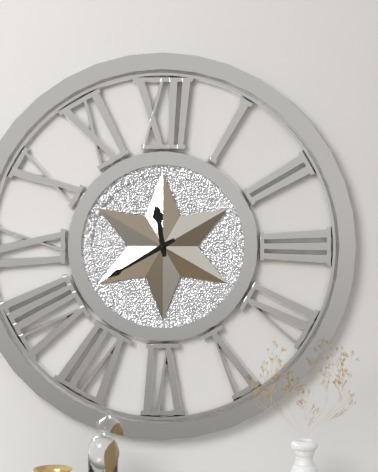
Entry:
11,40
